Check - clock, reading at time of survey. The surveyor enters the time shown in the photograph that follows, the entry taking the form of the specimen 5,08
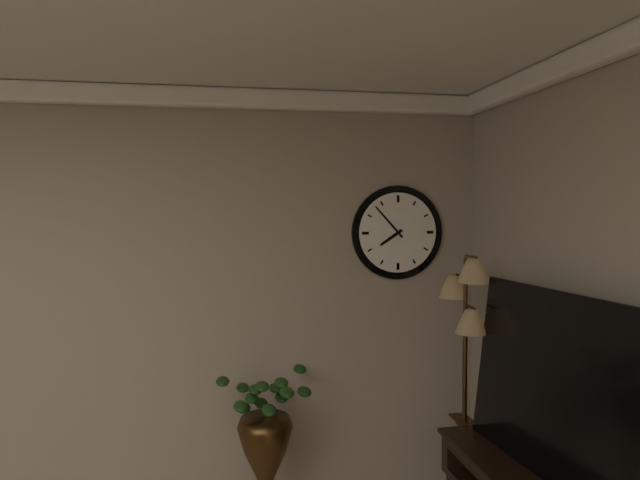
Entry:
7,53
